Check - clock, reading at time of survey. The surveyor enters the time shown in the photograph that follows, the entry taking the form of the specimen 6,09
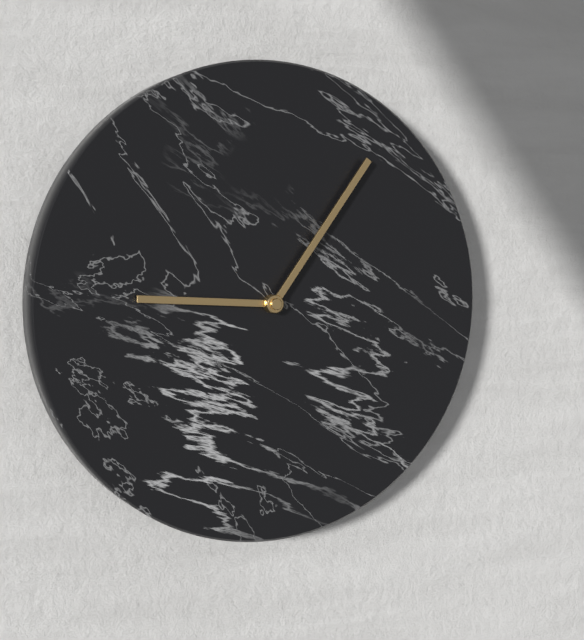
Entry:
9,06
